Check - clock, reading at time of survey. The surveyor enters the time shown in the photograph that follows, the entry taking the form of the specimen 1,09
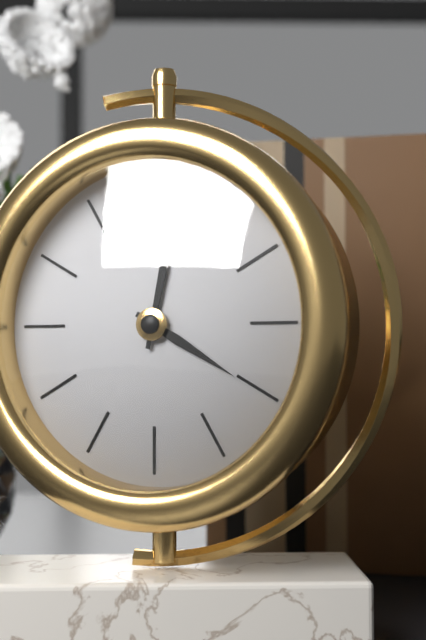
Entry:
4,02
